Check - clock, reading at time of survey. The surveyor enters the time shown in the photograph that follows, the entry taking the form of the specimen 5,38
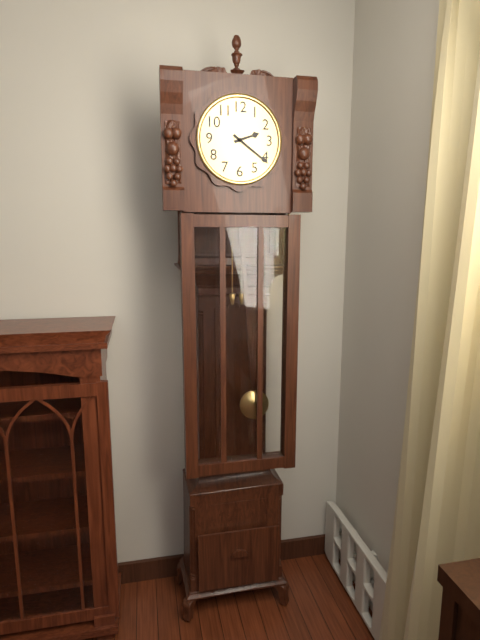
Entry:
2,21
